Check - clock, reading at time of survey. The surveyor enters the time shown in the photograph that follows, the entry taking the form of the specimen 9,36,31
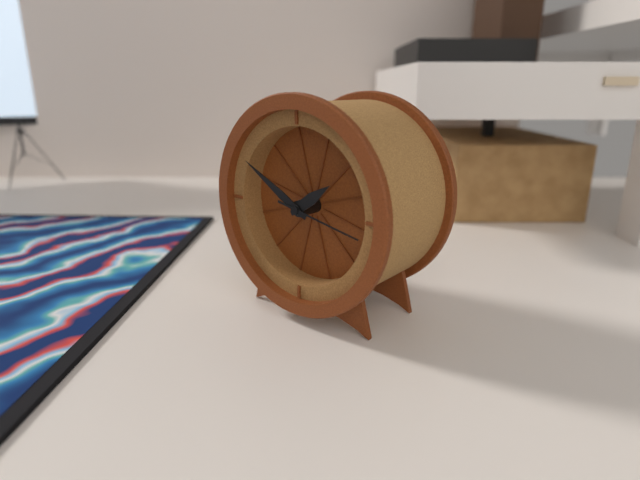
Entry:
1,50,17
